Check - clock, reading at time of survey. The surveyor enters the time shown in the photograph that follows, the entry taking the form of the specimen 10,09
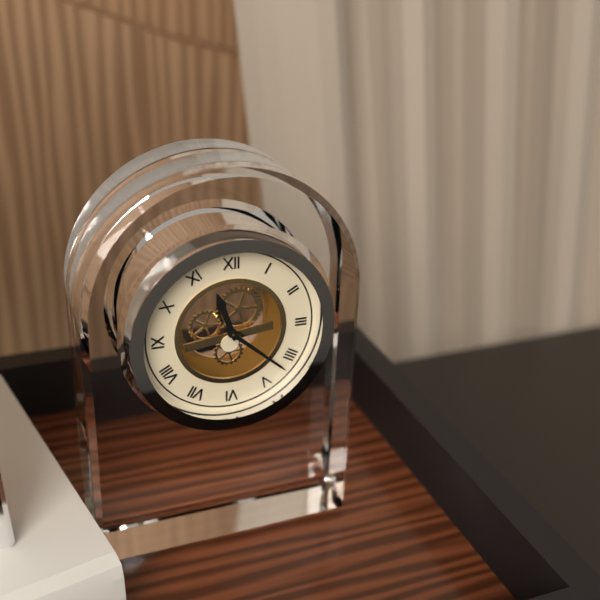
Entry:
11,22
